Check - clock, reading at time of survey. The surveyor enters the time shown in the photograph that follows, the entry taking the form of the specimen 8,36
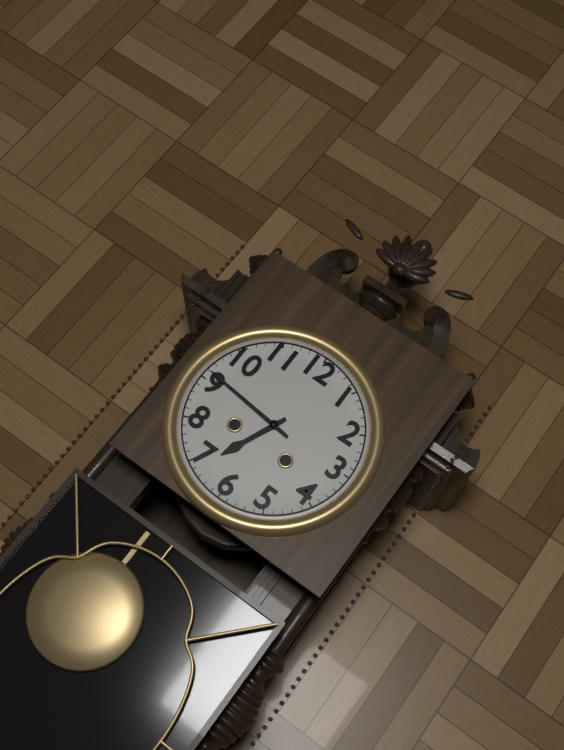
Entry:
6,46
